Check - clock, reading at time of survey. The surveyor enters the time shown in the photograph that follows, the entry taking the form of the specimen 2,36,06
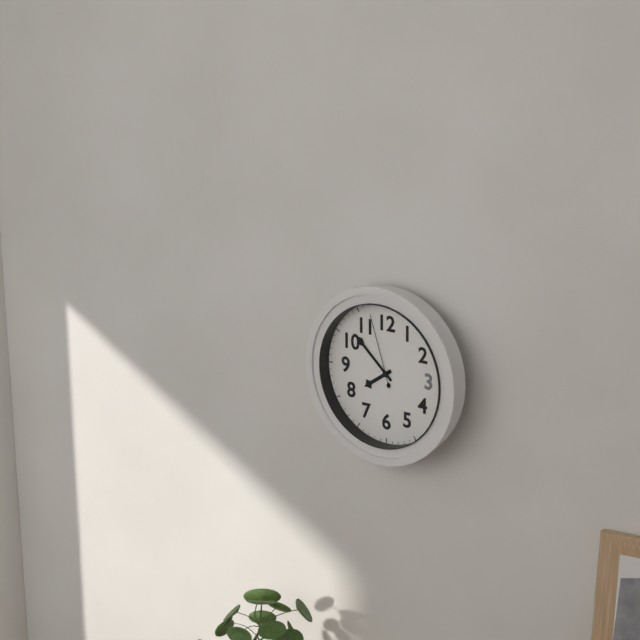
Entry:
7,52,57
